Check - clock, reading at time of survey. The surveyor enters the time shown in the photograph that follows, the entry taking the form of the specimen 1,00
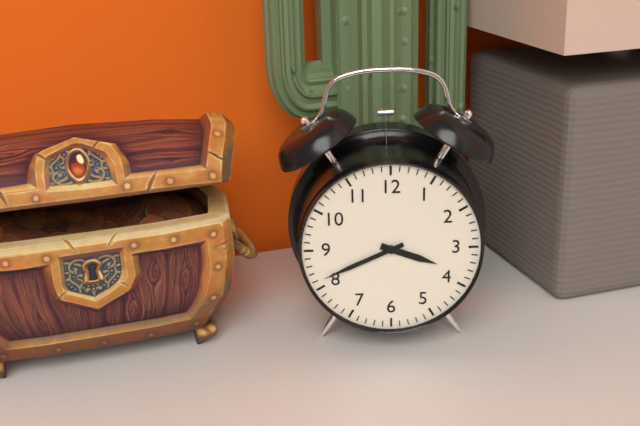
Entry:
3,41
